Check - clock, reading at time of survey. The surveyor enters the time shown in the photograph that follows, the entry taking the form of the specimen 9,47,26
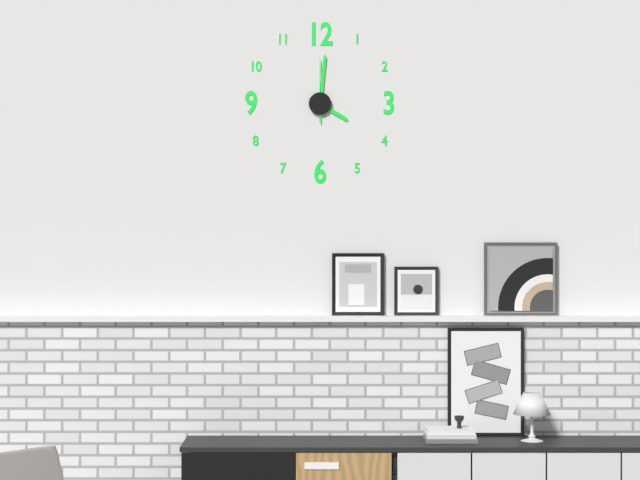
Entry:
4,01,00
